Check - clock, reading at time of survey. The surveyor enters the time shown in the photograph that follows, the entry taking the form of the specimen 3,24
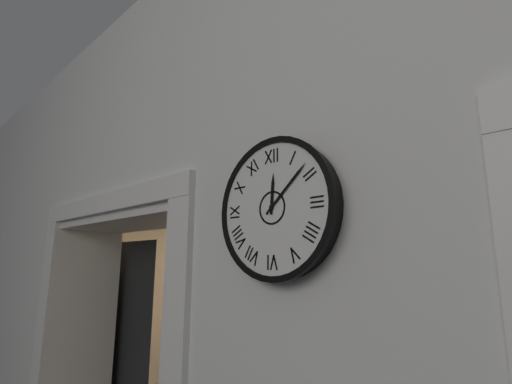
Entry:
12,08
